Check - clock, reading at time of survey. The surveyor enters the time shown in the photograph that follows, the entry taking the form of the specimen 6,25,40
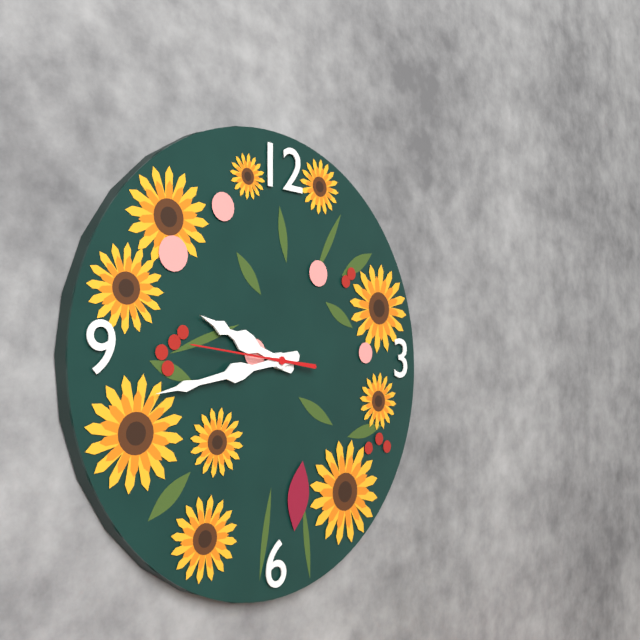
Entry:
9,43,46
